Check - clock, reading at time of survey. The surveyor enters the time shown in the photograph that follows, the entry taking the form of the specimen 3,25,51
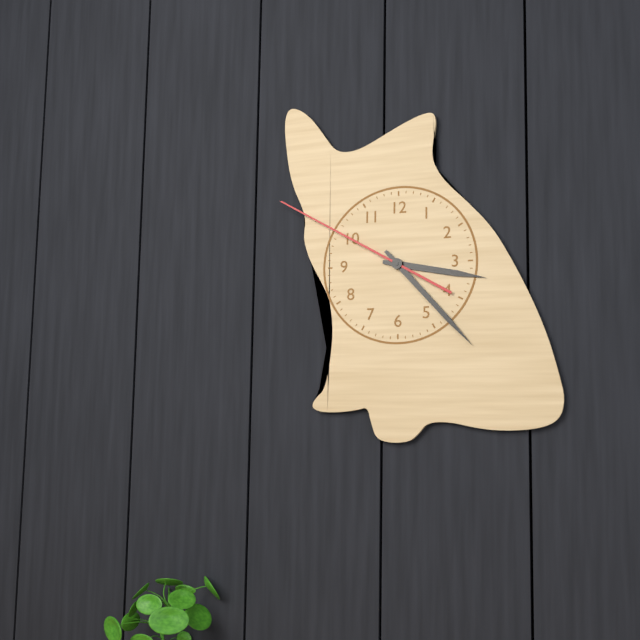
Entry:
3,23,50
